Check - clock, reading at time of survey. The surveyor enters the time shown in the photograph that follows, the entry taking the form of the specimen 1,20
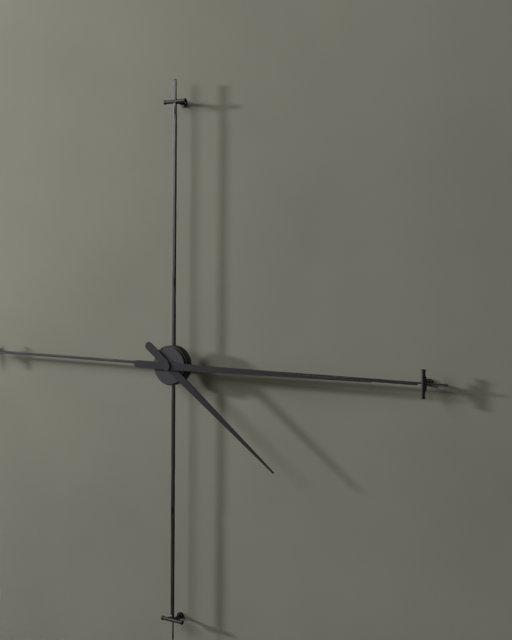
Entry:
4,15
